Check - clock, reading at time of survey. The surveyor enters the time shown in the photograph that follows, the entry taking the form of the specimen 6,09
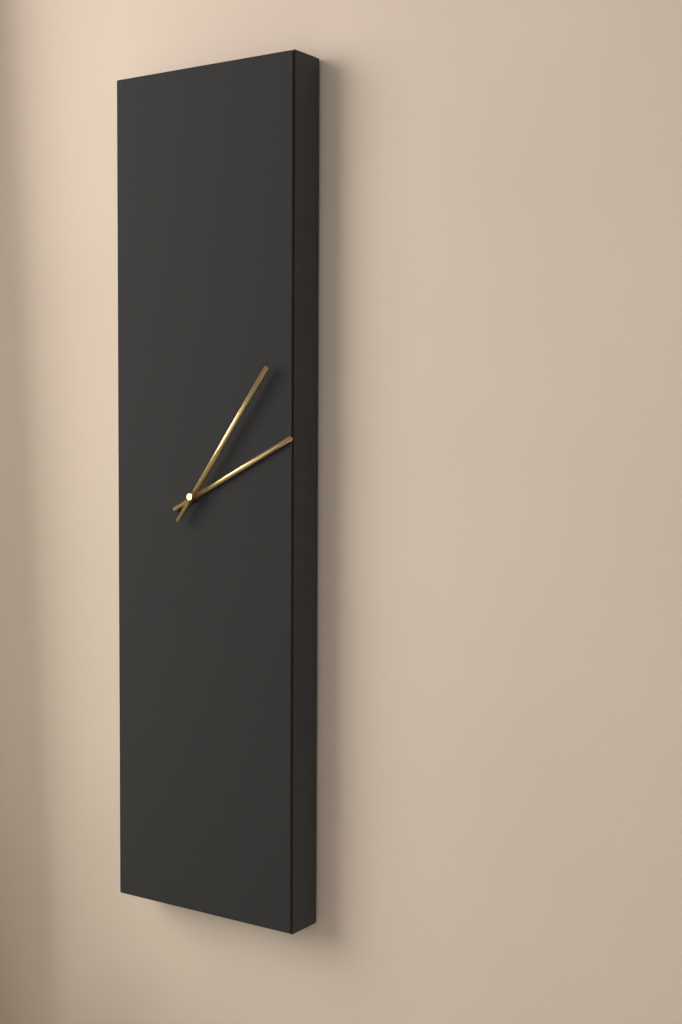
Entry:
2,06
